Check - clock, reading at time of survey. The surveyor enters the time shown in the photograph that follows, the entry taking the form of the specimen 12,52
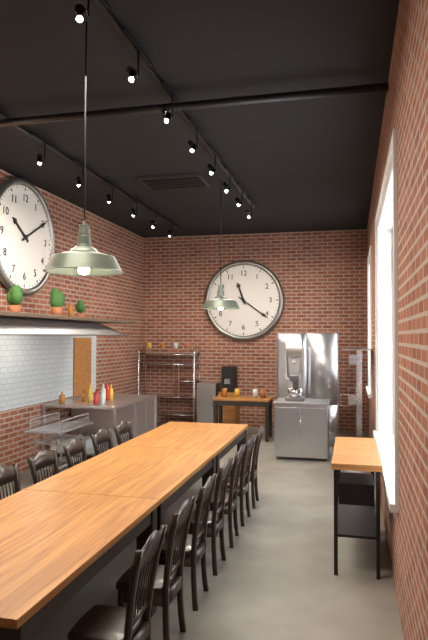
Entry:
11,21
